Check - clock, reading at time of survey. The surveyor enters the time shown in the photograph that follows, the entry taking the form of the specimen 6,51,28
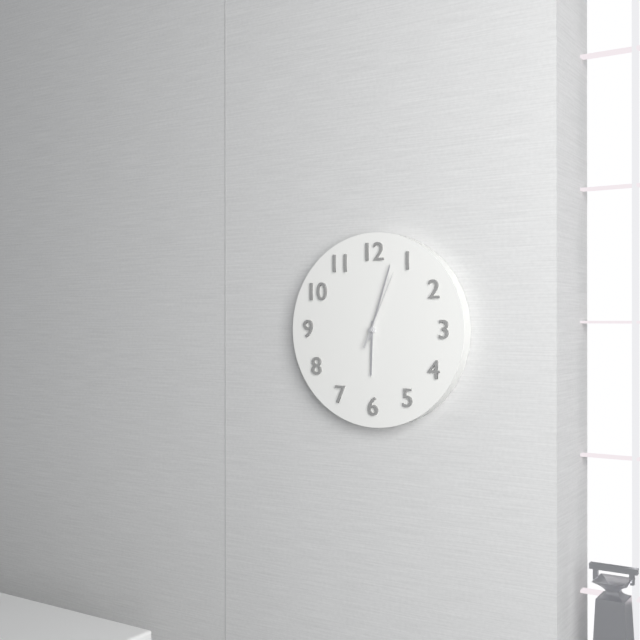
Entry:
6,03,04
